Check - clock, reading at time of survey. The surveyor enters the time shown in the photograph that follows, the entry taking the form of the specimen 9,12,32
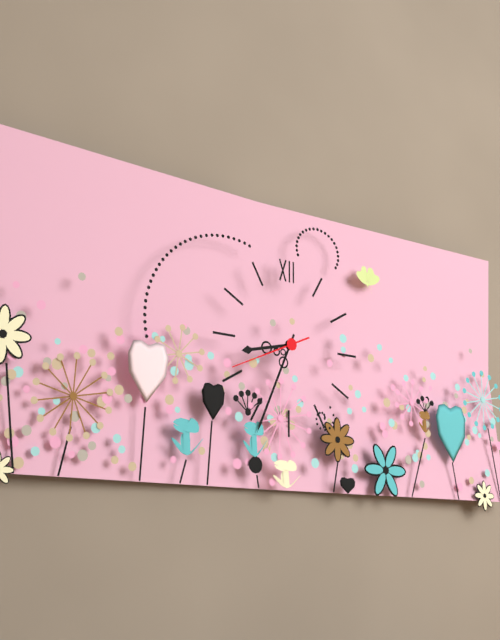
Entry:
8,34,41
